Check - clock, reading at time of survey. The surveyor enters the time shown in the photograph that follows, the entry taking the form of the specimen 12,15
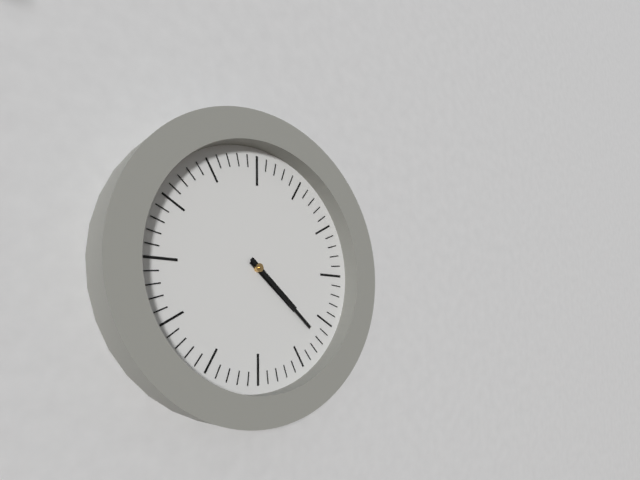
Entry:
4,22
